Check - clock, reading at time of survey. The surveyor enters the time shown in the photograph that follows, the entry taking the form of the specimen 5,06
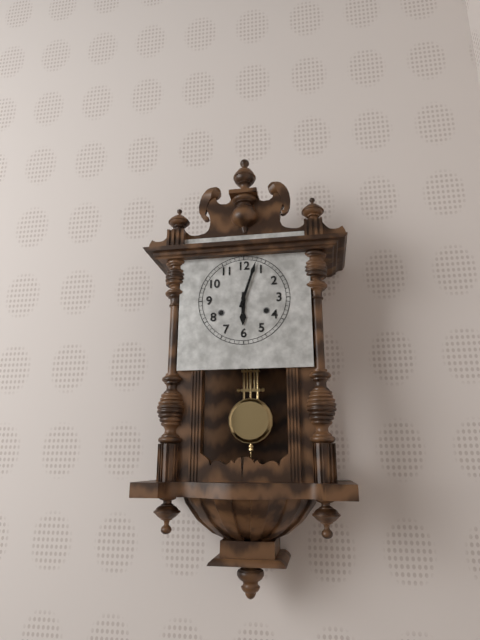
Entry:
6,03
